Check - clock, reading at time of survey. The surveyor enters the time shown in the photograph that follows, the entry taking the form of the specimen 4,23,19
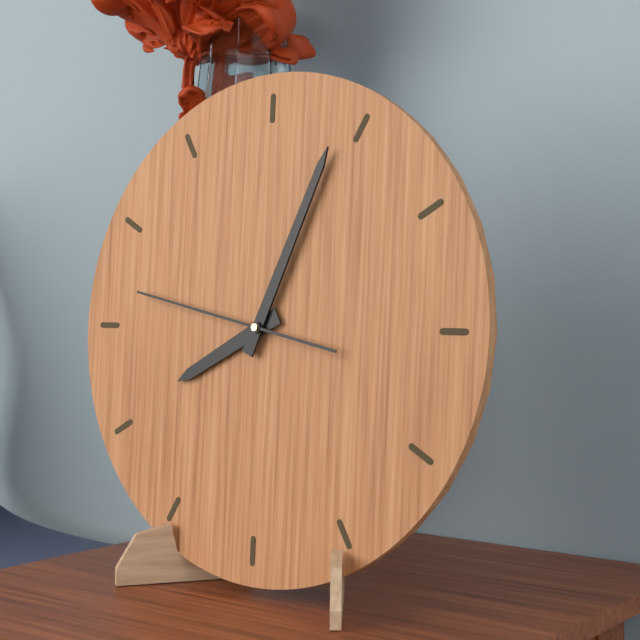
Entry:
8,04,47
